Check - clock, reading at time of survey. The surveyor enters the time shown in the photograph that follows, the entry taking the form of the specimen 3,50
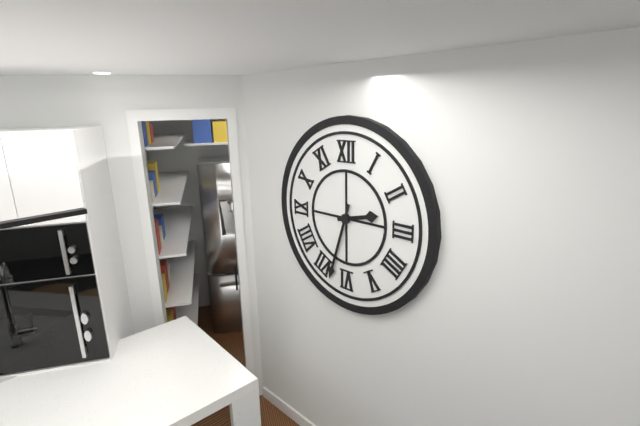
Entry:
2,33
